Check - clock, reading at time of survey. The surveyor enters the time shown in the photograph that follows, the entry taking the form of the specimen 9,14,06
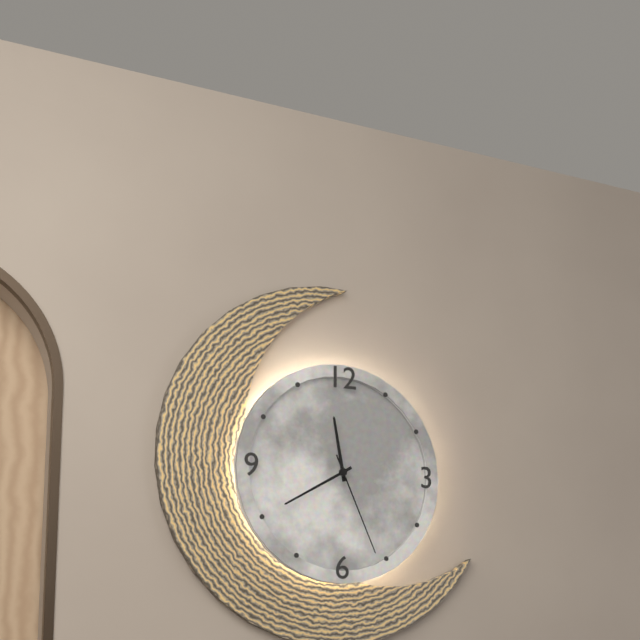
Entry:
11,40,26
